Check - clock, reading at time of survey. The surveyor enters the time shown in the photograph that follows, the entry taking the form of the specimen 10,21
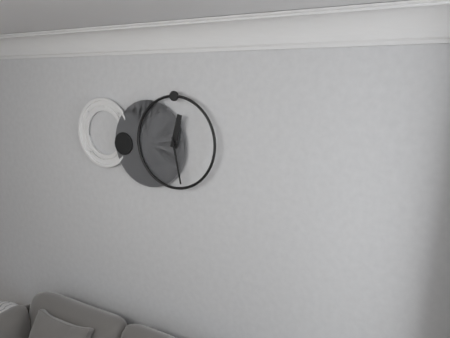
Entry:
12,28
